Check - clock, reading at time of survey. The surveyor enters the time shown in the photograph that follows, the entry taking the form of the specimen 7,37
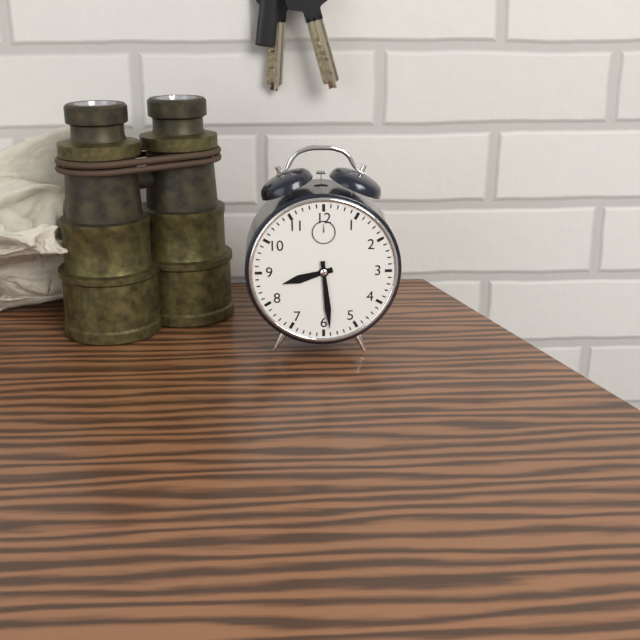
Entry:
8,29
